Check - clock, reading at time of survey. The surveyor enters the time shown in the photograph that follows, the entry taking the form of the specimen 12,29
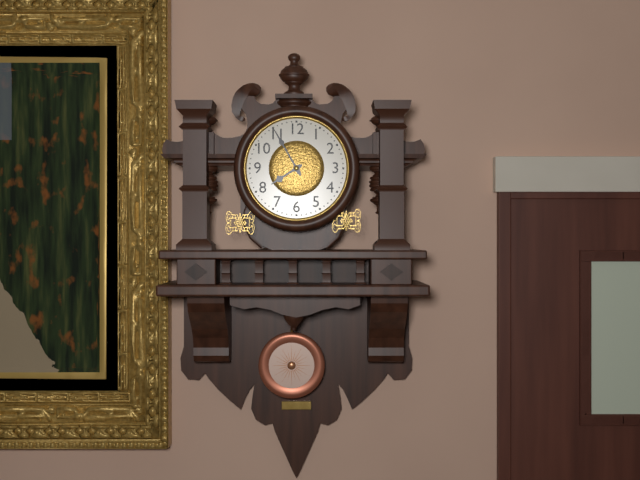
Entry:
7,55
